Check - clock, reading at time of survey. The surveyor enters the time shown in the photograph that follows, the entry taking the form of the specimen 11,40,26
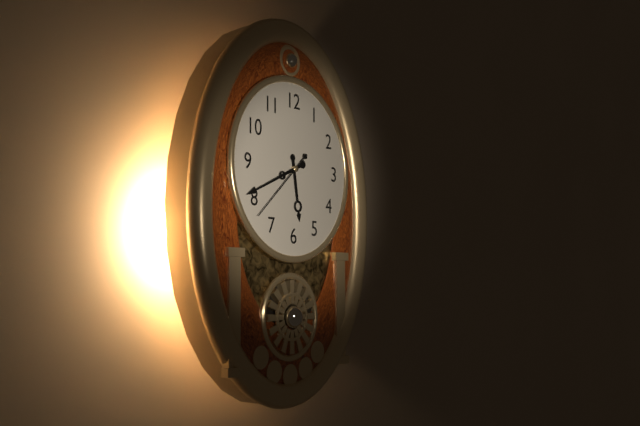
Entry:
5,41,38
